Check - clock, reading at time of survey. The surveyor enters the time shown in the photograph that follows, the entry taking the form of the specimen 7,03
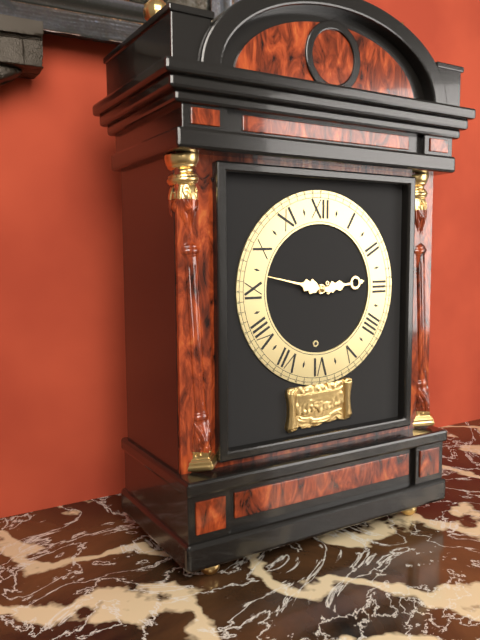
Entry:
2,47
